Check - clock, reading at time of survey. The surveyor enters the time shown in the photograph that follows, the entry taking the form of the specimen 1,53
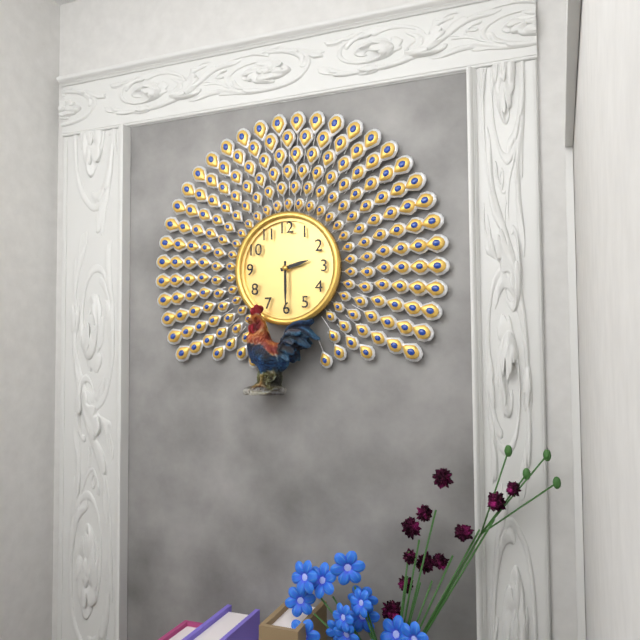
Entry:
2,30
